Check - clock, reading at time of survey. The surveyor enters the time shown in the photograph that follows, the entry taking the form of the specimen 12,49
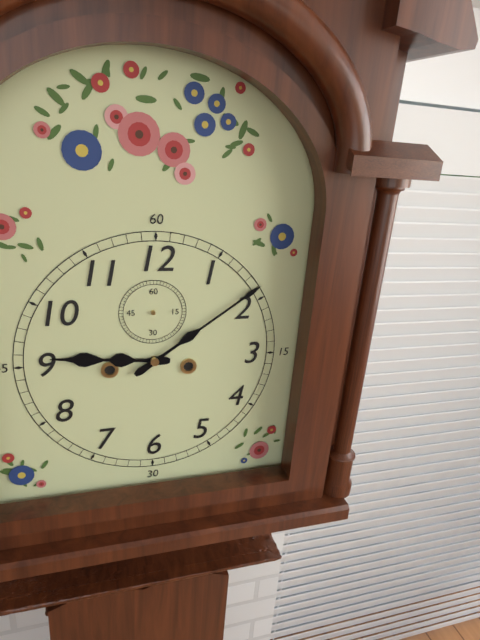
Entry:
9,09
